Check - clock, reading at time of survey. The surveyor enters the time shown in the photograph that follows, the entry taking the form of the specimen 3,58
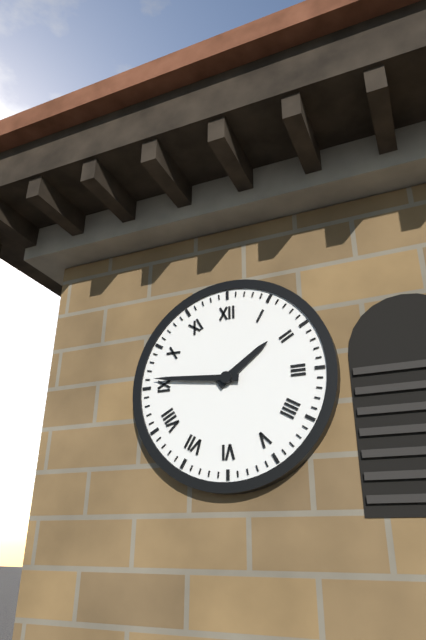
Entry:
1,46
